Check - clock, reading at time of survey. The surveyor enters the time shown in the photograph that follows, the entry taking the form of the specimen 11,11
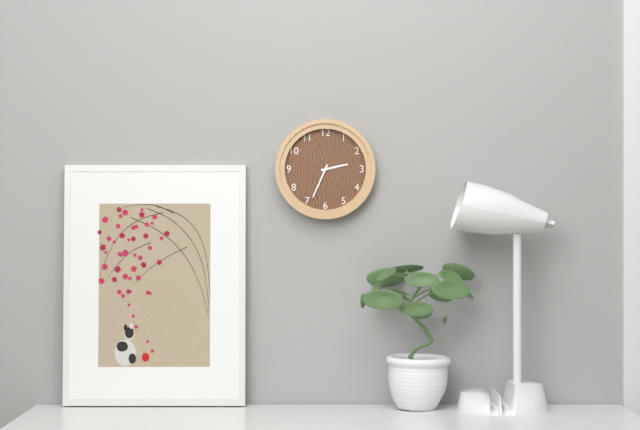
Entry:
2,34
